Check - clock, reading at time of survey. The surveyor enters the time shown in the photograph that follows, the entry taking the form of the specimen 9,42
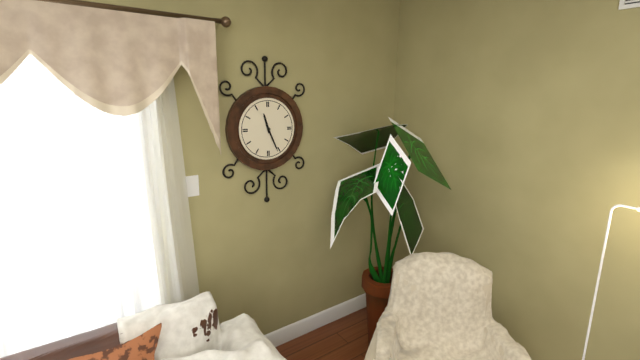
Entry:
11,26
